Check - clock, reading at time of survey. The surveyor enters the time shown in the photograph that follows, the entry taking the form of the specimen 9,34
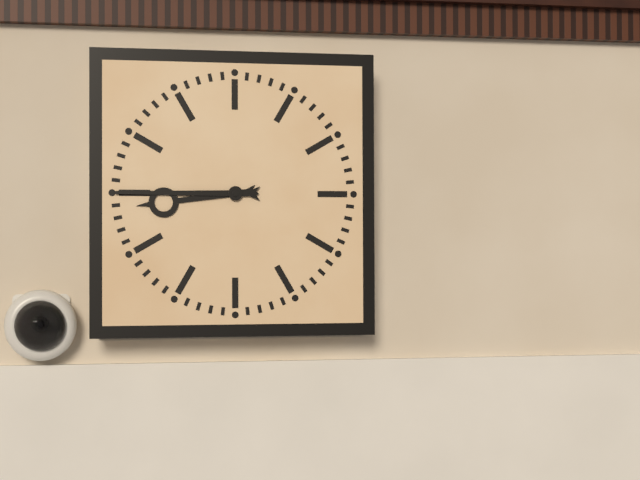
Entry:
8,45
